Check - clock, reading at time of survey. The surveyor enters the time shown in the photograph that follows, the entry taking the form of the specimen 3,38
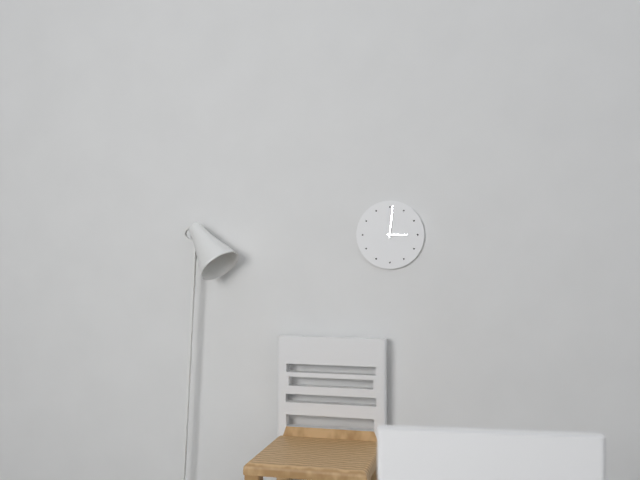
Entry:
3,01
